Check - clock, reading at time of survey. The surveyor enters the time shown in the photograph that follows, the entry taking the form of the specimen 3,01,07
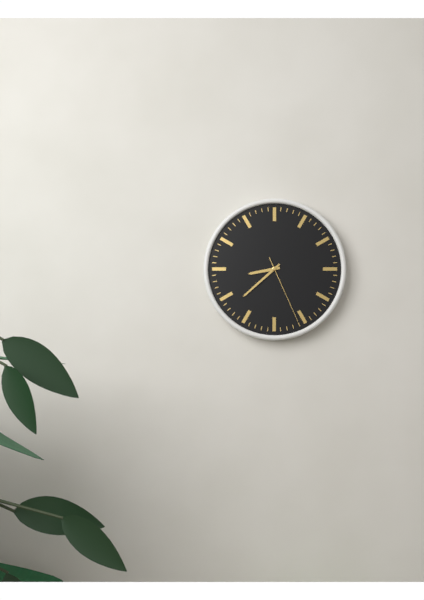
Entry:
8,38,26
